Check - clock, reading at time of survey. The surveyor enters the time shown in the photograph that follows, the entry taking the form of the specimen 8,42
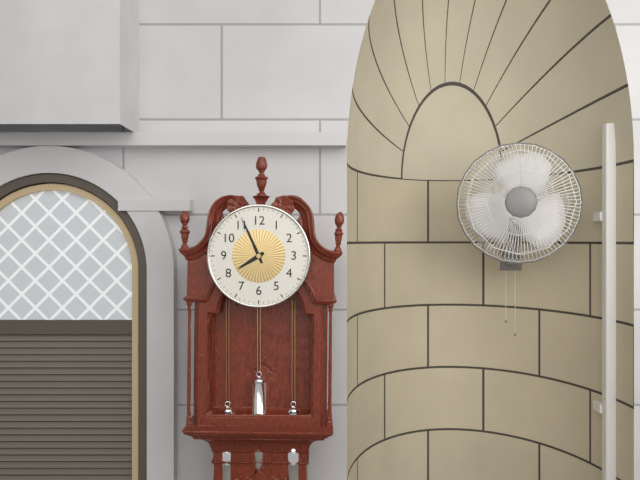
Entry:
7,56
